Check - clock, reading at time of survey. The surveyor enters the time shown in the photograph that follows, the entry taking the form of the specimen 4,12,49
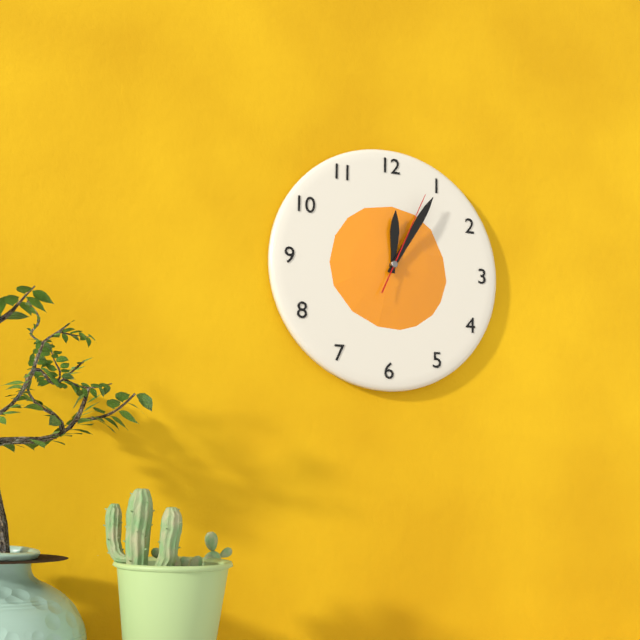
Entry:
12,05,04
